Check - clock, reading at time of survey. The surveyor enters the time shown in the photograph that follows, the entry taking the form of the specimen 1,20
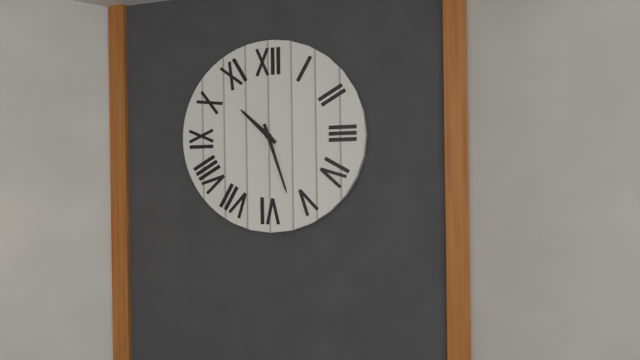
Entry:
10,27
